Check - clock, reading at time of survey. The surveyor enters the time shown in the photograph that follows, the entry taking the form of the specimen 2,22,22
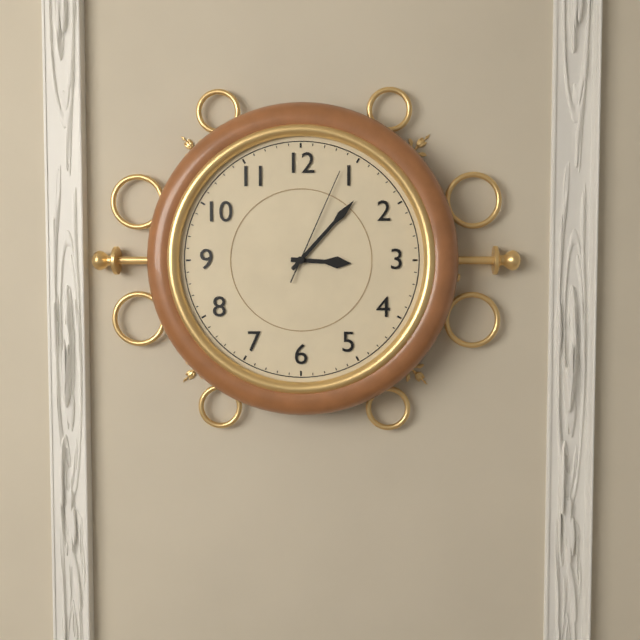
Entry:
3,07,04
